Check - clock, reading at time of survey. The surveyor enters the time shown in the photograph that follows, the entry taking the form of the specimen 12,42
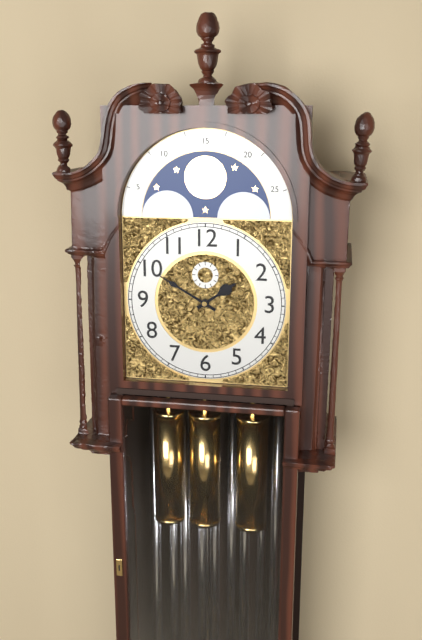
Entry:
1,50
